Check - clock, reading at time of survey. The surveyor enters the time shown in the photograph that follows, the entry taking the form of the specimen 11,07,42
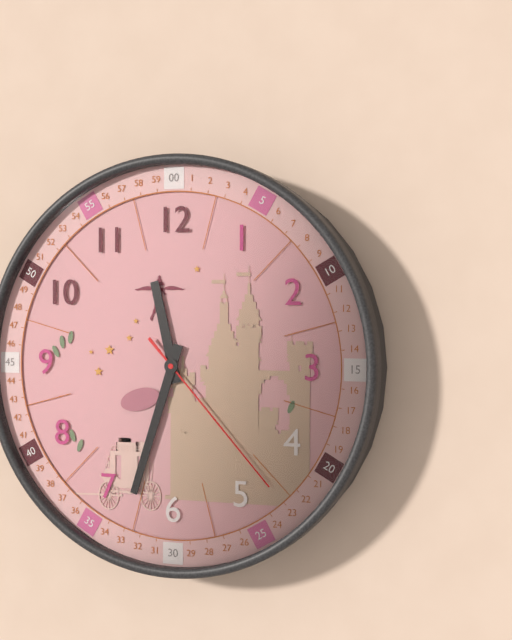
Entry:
11,33,23
